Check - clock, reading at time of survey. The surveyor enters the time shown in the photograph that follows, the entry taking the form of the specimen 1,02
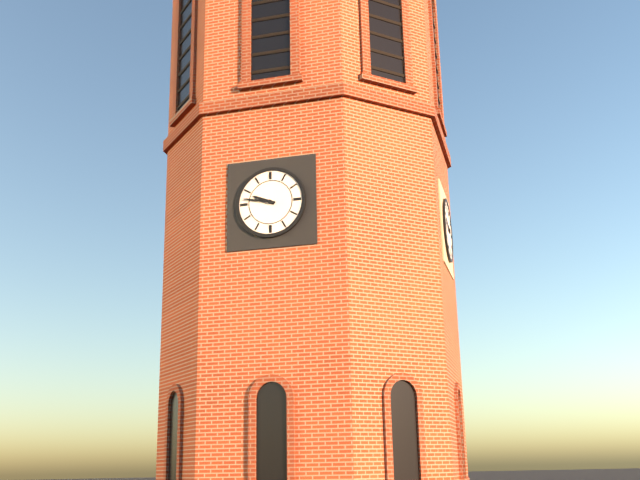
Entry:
9,47
